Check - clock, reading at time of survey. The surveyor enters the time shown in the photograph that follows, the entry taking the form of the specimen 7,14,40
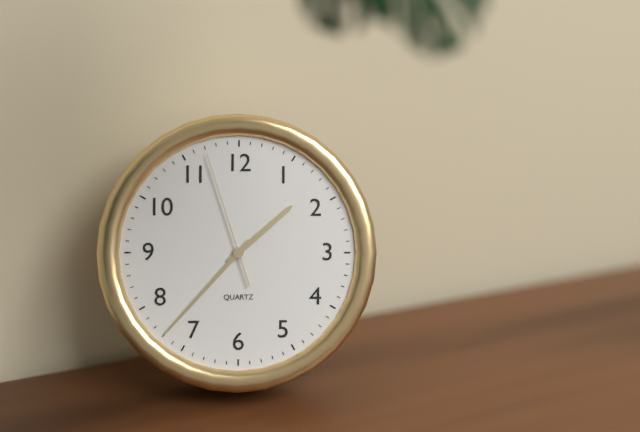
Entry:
1,37,57
